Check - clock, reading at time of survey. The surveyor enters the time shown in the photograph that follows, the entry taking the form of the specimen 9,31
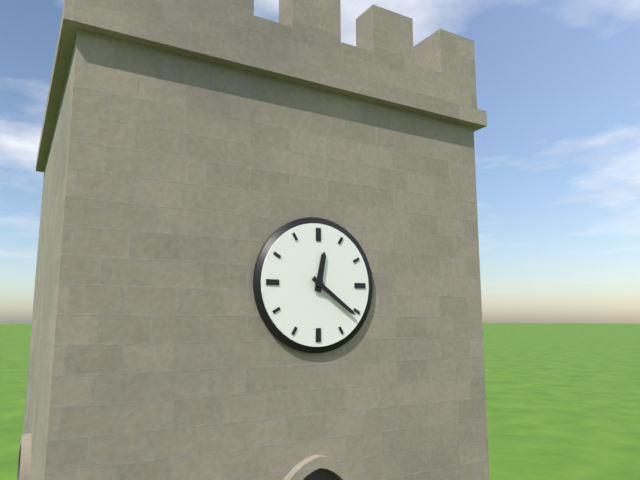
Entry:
12,21
